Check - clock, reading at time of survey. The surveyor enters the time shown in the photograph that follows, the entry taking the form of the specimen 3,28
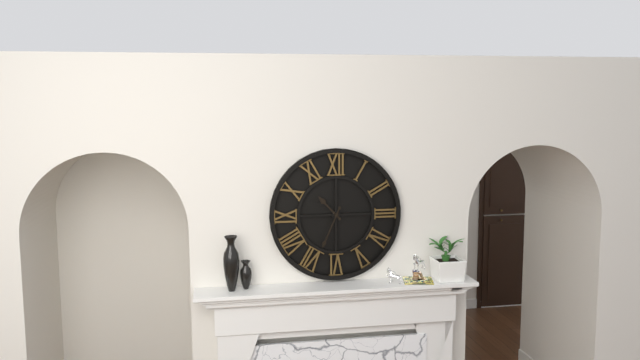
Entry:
10,34
